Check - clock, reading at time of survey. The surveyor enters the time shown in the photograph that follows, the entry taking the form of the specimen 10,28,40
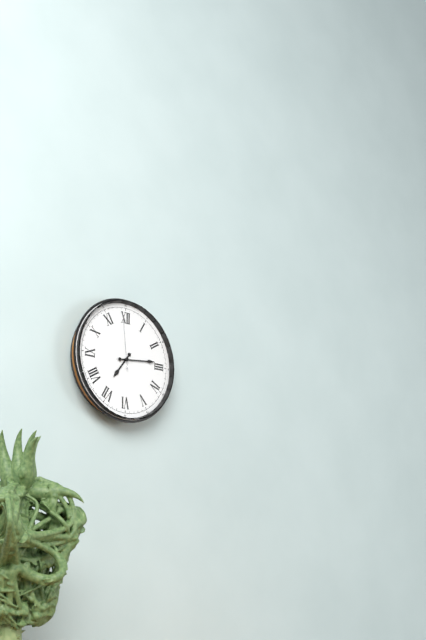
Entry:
7,14,59
